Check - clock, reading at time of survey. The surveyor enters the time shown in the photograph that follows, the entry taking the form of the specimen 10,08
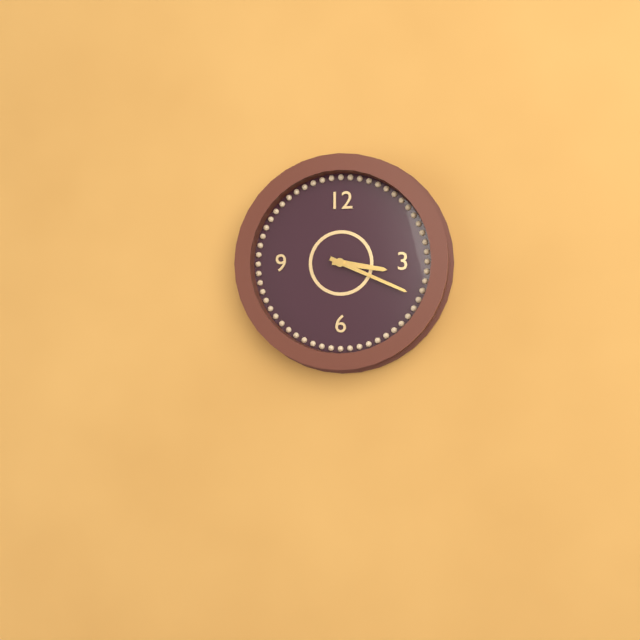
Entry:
3,19
